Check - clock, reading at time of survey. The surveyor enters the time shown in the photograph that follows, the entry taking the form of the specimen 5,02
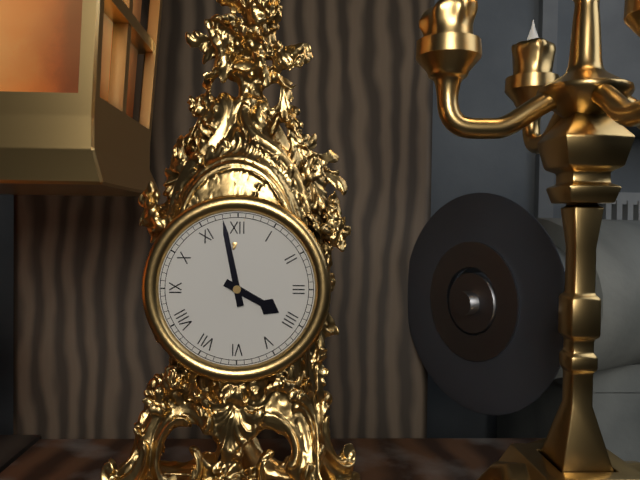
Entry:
3,58
